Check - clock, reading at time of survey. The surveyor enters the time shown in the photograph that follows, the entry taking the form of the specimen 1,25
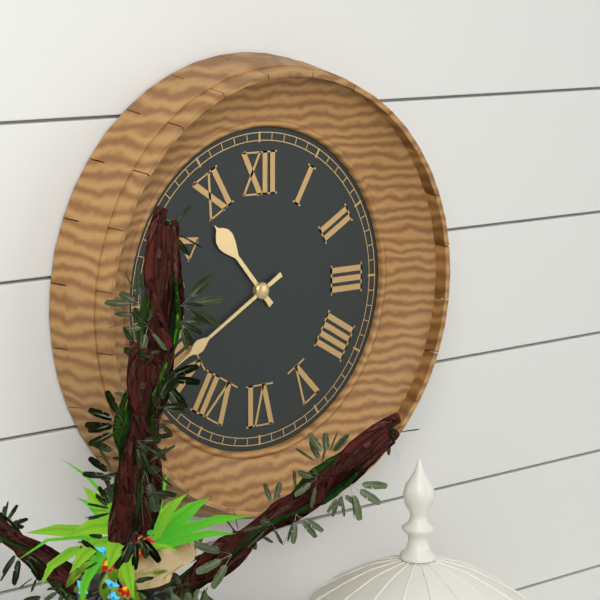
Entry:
10,40
